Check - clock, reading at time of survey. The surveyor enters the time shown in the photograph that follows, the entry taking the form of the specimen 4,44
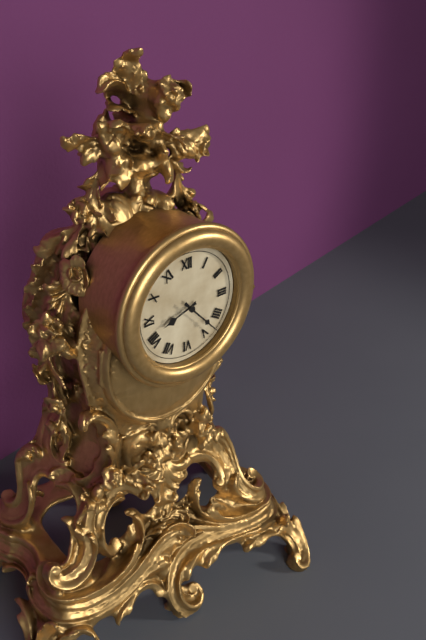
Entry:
8,23
